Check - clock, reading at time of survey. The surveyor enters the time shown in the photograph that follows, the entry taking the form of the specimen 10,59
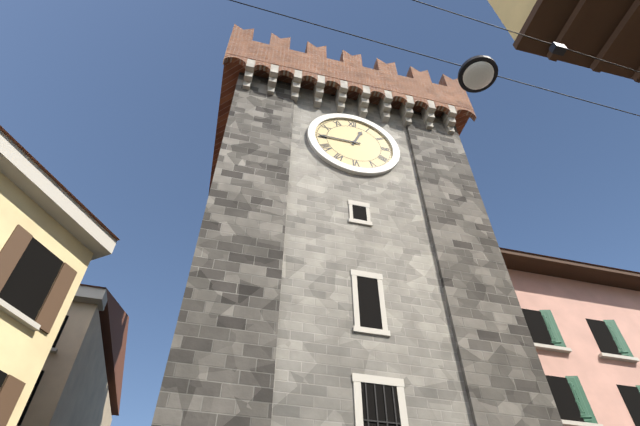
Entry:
12,45
